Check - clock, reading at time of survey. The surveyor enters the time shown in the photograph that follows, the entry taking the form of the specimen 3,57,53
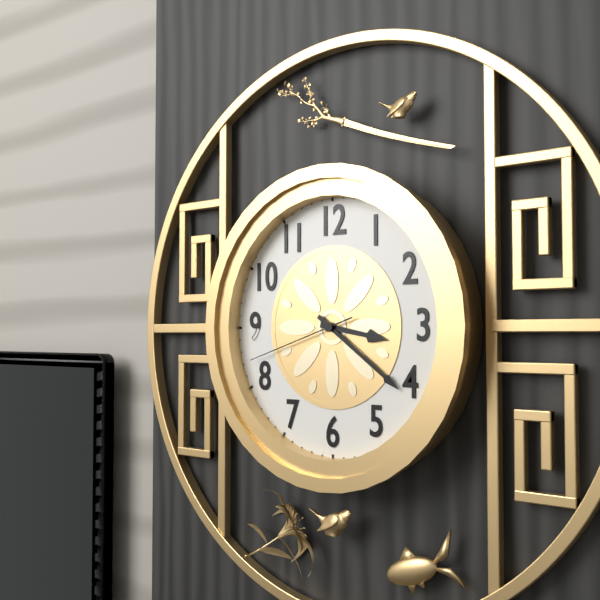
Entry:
3,21,42
